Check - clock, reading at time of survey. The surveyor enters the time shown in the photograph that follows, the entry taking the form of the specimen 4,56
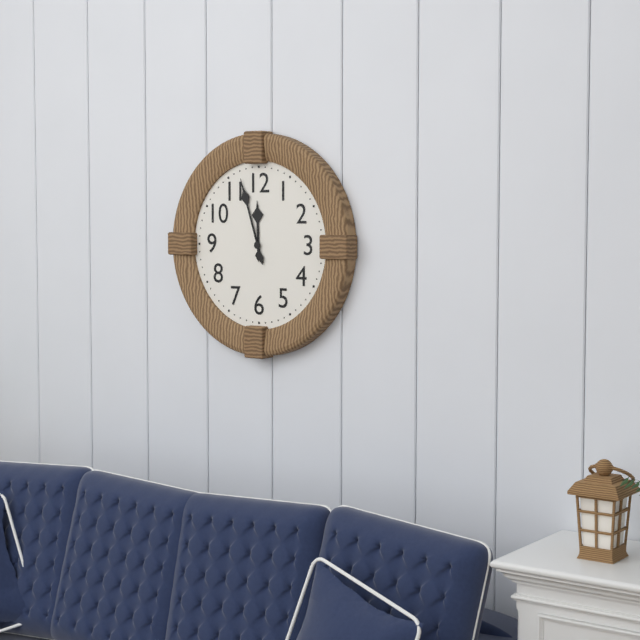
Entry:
11,57
